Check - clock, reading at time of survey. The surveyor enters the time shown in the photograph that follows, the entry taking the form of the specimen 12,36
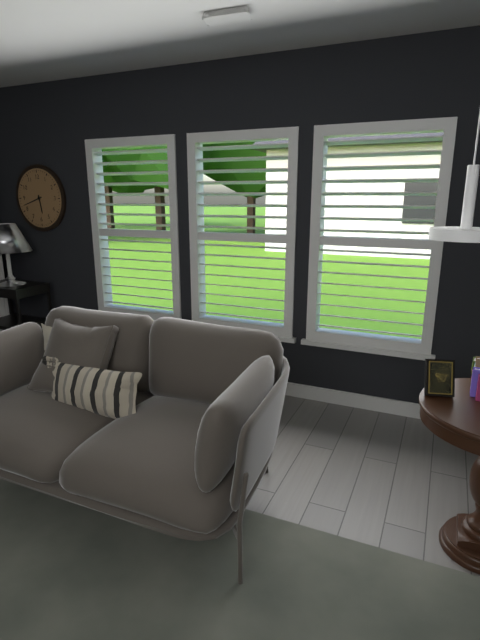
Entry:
5,42
